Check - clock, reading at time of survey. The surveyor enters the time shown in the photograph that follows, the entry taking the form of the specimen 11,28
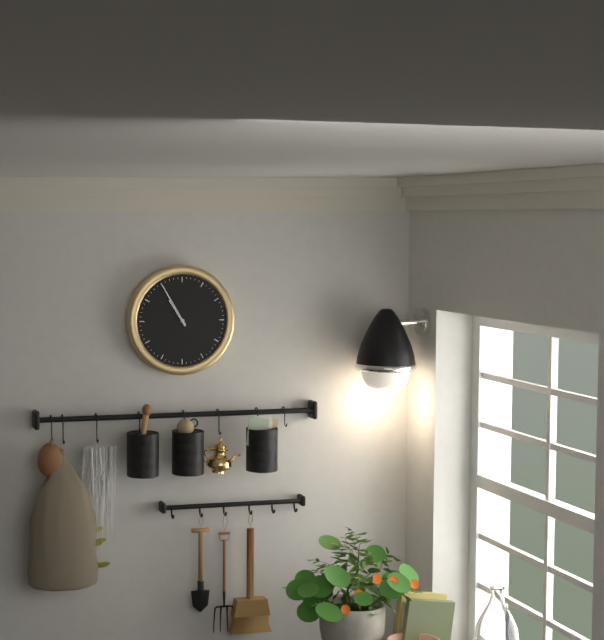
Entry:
10,55
